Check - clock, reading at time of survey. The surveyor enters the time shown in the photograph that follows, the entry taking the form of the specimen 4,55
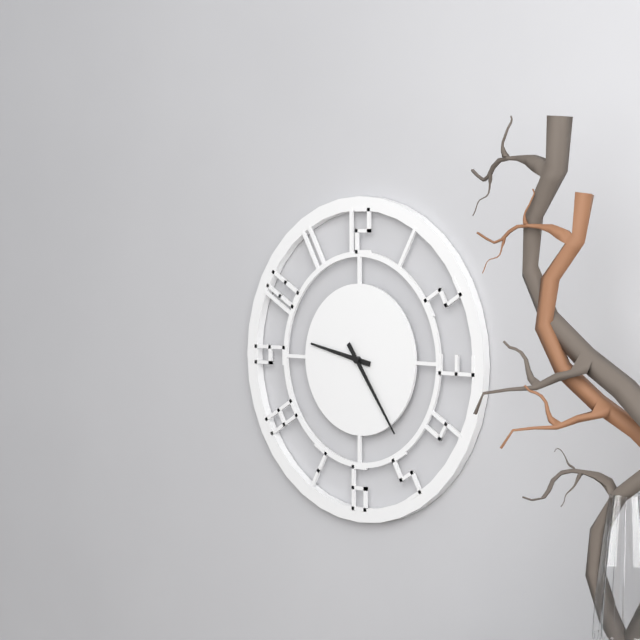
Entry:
9,24
